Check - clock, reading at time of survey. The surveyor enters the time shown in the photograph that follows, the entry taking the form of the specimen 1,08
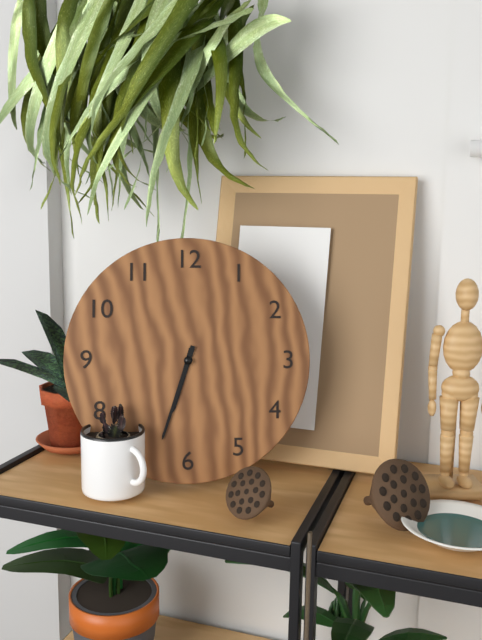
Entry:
6,33
